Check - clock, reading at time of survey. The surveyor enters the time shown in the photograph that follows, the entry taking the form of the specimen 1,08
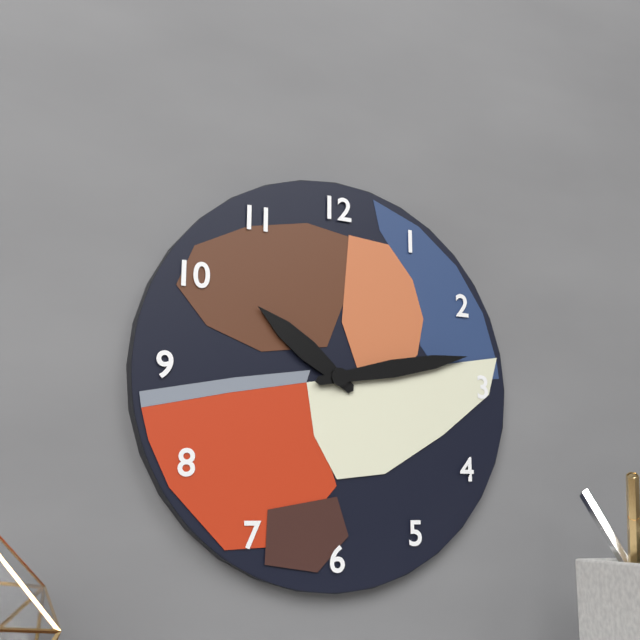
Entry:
10,13
